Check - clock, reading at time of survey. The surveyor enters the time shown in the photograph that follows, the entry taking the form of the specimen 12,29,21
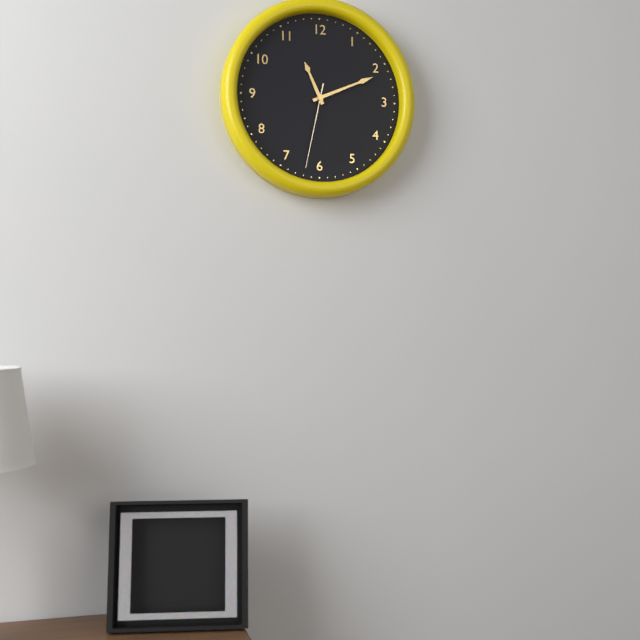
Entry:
11,11,32
